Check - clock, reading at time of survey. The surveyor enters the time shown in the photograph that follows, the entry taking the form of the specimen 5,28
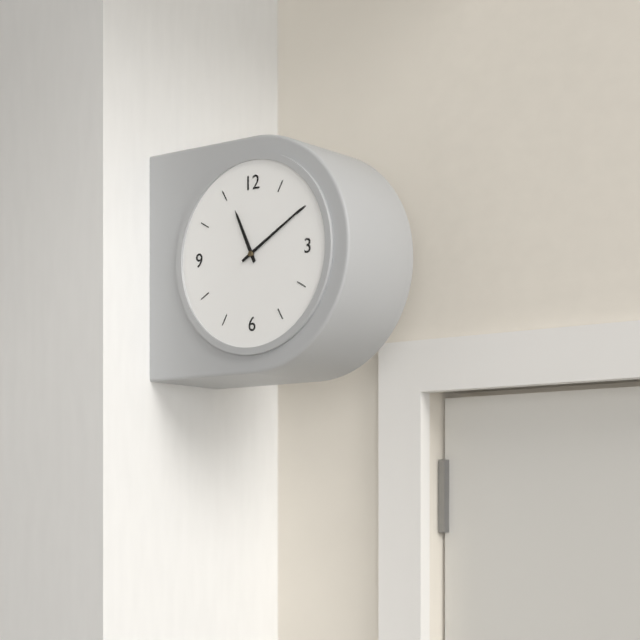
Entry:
11,10
